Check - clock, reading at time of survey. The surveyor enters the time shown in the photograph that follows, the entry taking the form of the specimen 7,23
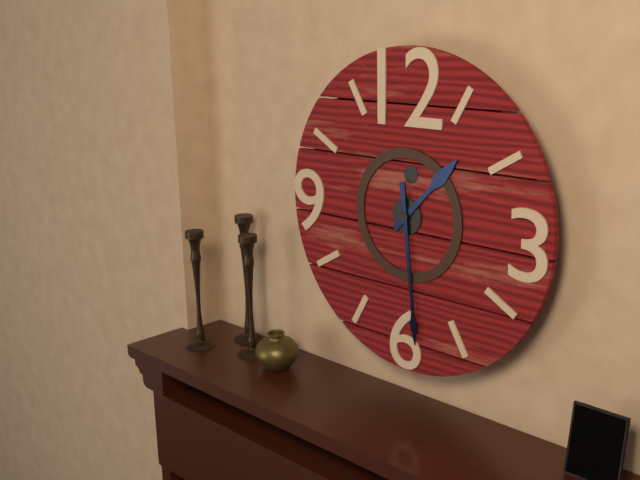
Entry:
1,29
